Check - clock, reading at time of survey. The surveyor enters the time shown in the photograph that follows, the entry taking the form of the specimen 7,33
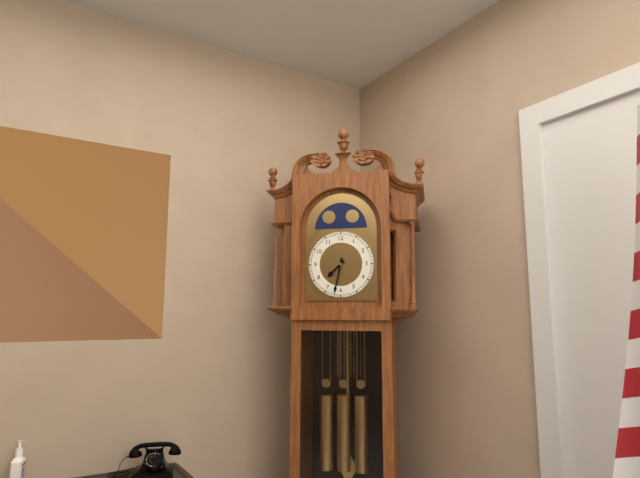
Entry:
7,32
